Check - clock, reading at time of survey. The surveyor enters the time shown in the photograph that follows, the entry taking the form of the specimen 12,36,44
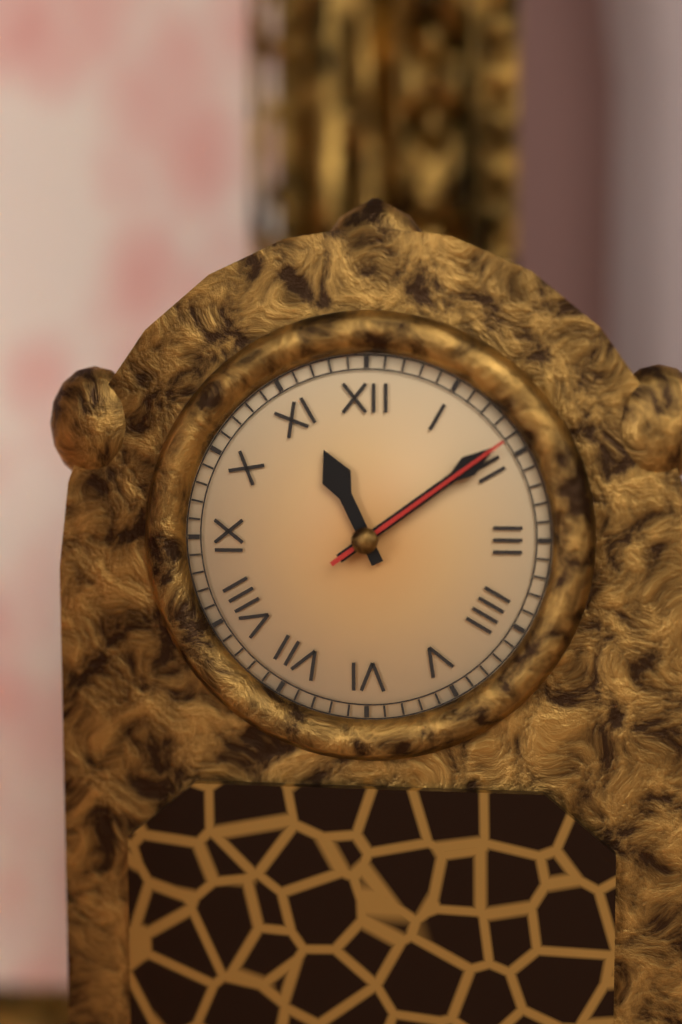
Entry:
11,09,09
